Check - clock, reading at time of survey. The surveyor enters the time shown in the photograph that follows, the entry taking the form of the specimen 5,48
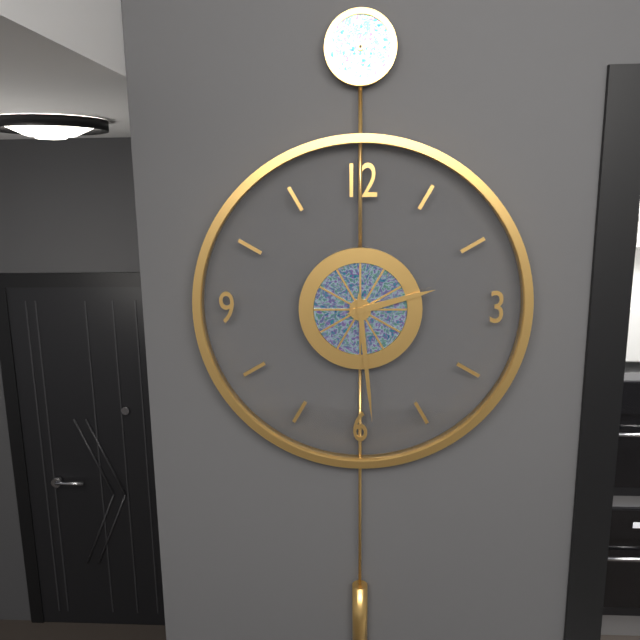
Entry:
2,29
